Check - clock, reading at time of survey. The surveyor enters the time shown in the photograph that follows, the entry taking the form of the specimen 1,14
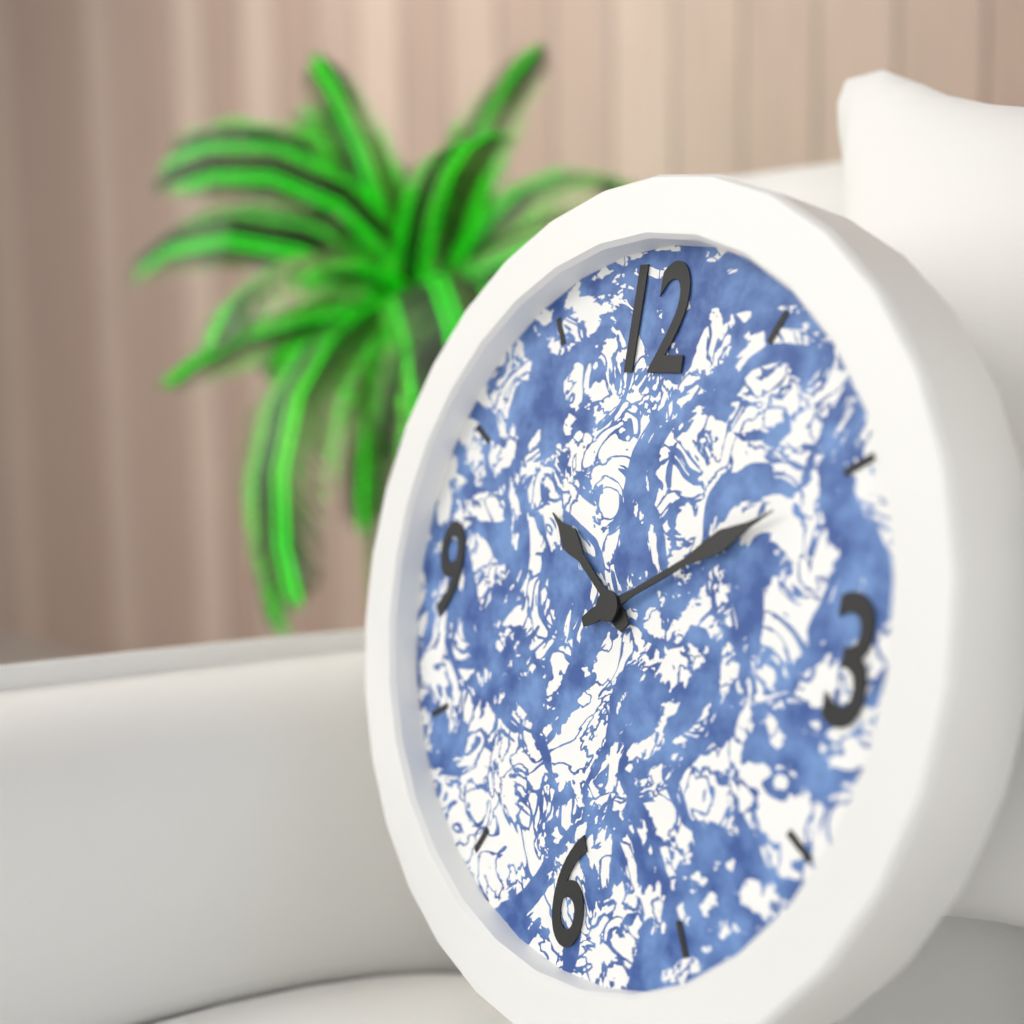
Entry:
10,10
